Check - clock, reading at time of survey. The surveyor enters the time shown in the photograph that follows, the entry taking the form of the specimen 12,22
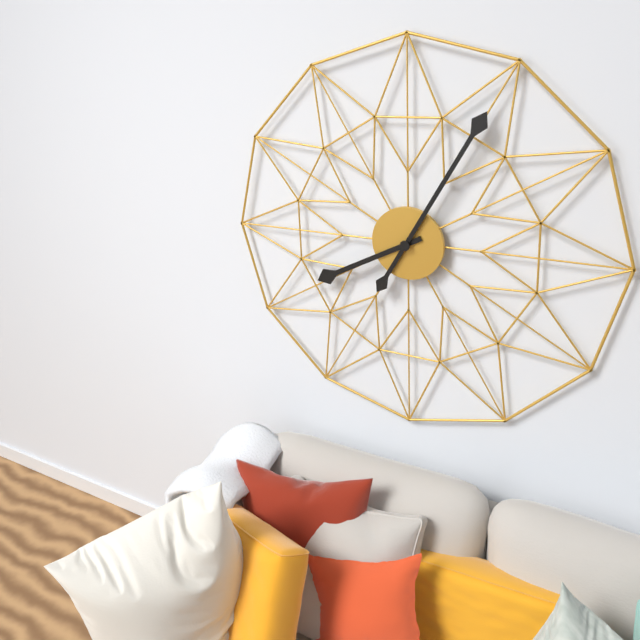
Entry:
8,05
